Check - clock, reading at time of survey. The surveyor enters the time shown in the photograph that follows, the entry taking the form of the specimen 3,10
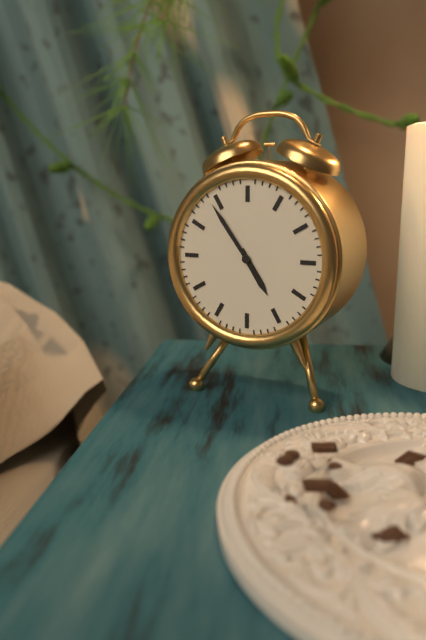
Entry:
4,54
